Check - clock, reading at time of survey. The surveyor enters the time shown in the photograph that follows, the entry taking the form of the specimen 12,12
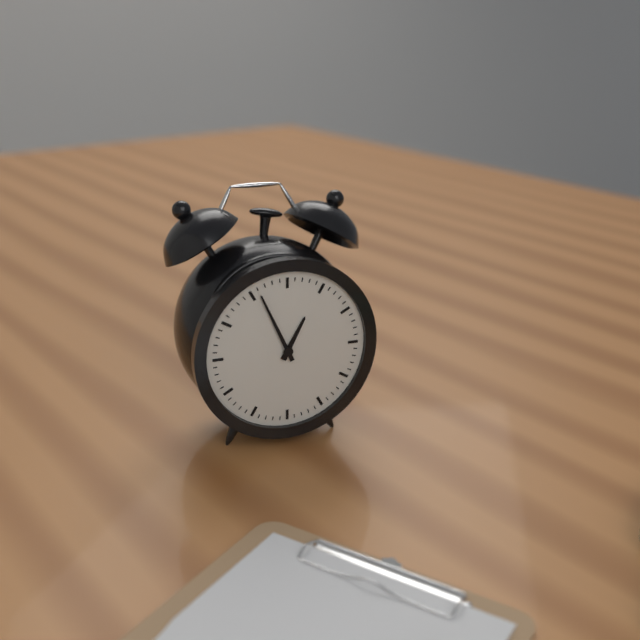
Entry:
12,56
